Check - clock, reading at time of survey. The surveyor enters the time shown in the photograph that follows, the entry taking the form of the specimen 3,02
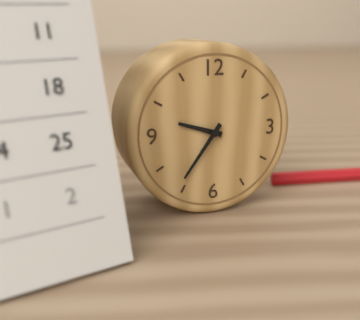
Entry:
9,36
